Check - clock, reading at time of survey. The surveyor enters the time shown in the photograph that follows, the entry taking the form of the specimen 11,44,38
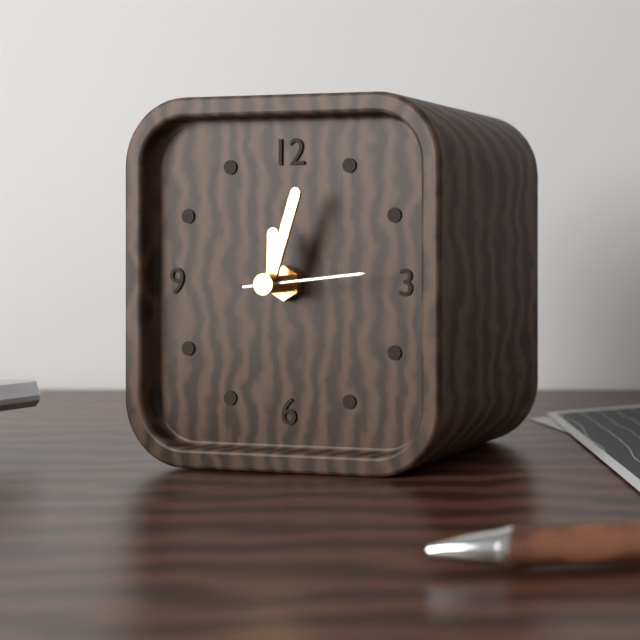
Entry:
12,03,14
